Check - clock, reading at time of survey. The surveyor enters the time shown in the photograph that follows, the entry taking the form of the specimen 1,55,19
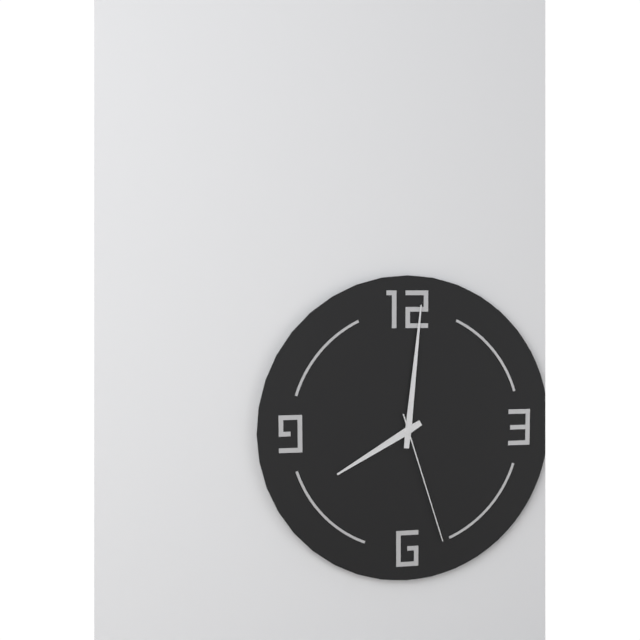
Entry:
8,01,27
